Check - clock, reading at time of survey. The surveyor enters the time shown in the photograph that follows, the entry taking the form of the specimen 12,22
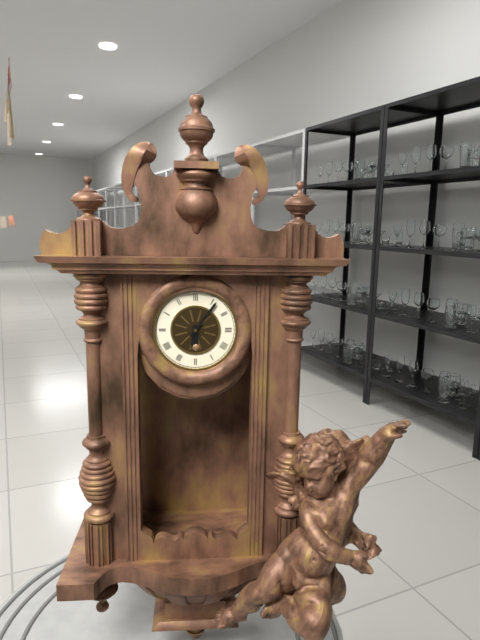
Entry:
6,06
